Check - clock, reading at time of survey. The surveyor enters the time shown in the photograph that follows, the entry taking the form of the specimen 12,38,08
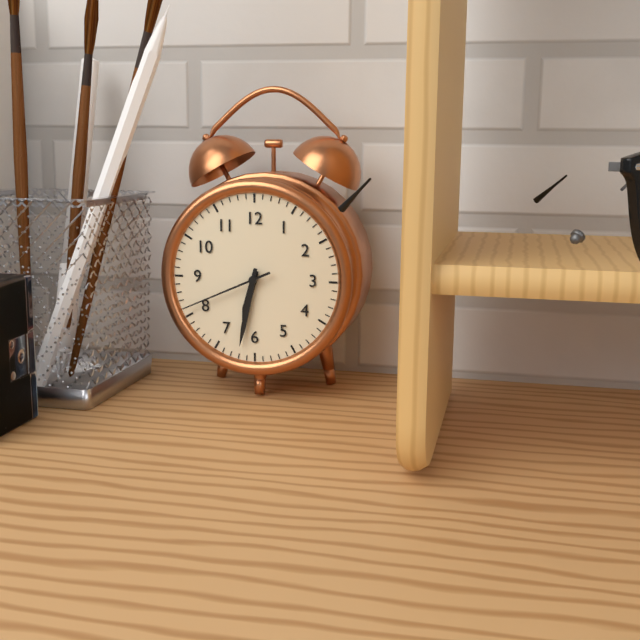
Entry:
6,32,41
